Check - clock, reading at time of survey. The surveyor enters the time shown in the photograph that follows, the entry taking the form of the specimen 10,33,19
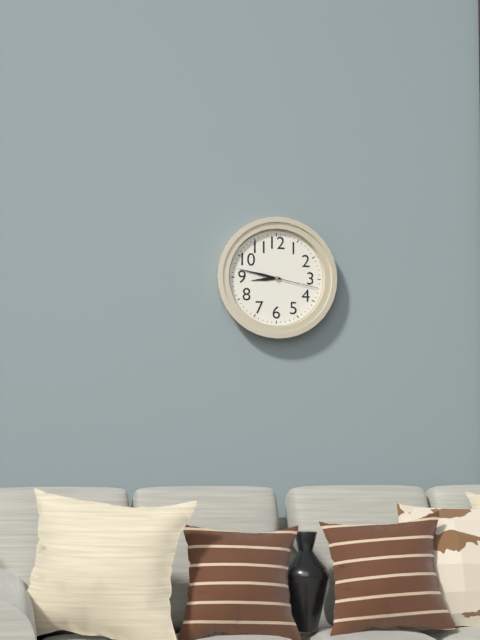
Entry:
8,47,17
